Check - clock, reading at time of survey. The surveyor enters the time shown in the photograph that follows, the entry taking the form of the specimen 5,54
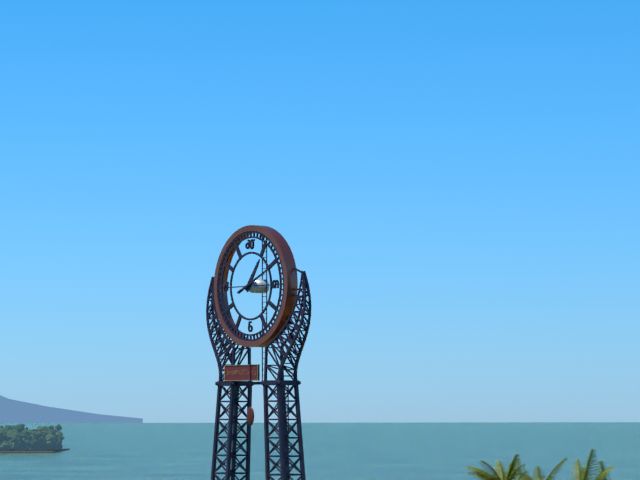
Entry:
1,11
